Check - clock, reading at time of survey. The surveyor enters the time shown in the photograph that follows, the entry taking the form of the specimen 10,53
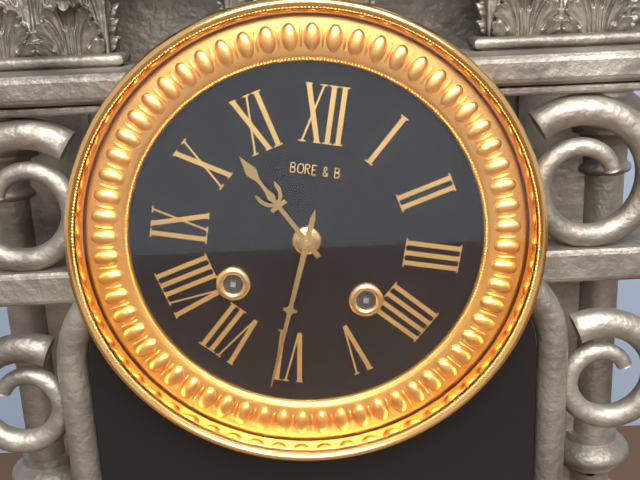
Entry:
10,31
